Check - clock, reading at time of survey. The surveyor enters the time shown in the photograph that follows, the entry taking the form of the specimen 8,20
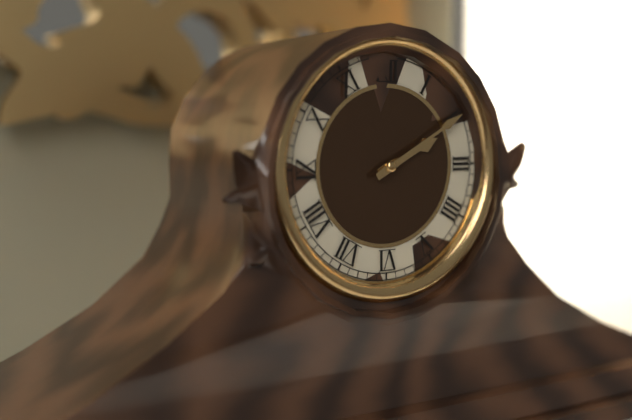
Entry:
2,10
